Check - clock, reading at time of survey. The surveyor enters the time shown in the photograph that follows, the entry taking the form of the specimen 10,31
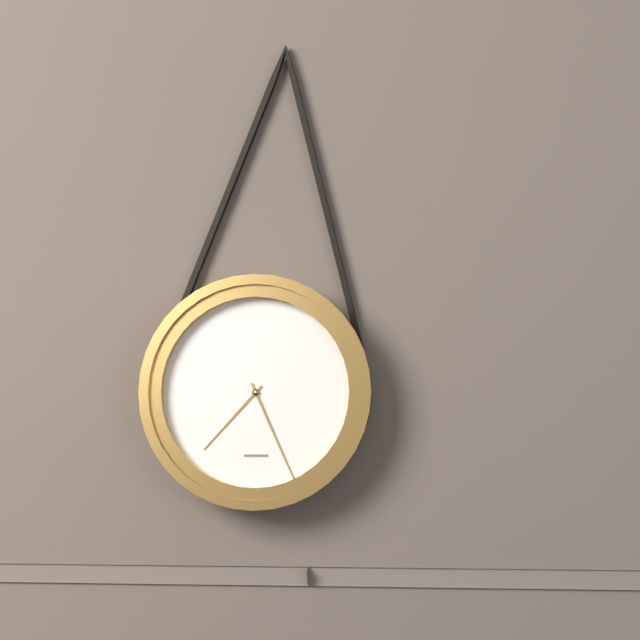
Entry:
7,26
